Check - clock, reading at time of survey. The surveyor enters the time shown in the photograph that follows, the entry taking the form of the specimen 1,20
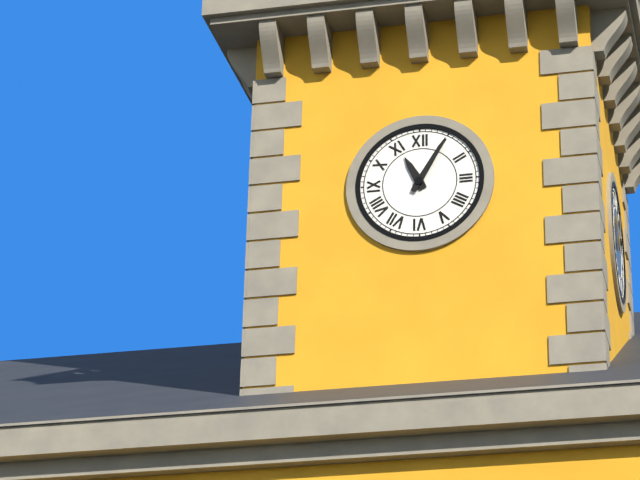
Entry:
11,05
